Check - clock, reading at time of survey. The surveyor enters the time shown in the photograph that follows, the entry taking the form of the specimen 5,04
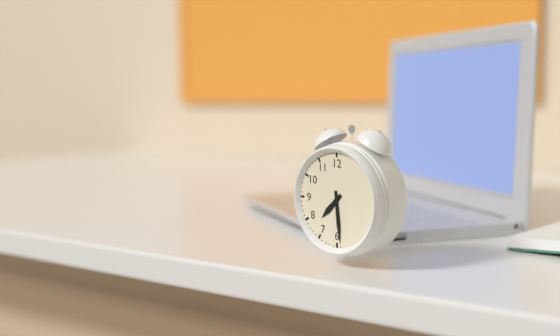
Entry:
7,29
